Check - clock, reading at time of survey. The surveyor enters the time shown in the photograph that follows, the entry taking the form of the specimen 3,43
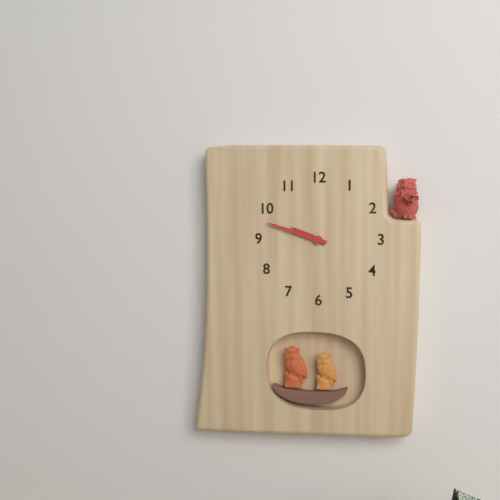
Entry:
9,48
